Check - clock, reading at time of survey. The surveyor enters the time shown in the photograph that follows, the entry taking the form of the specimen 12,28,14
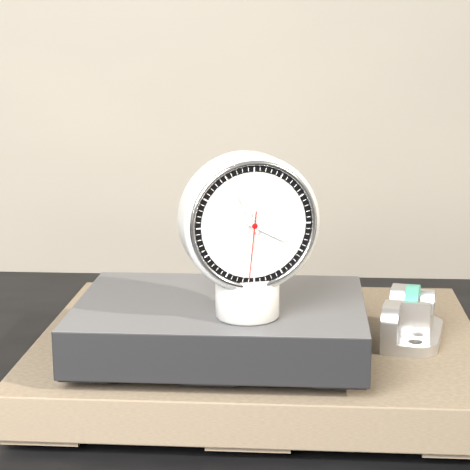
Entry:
3,56,31
